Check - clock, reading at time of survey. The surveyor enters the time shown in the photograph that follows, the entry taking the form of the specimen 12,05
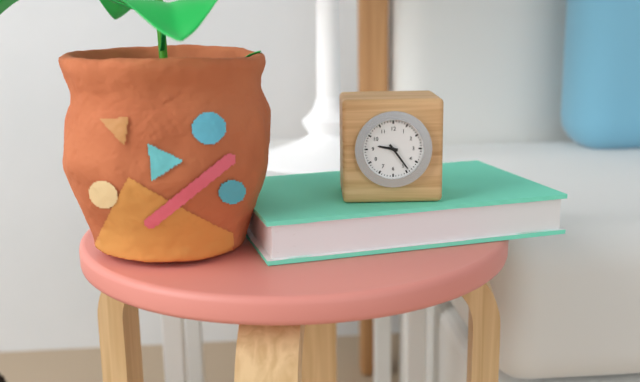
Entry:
9,24
